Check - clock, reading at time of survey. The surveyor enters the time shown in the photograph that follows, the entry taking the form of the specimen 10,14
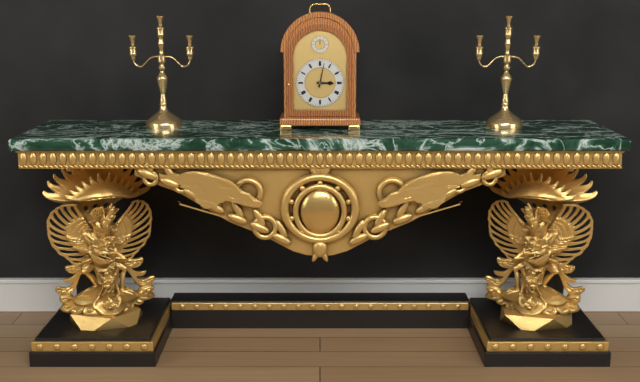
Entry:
3,02
